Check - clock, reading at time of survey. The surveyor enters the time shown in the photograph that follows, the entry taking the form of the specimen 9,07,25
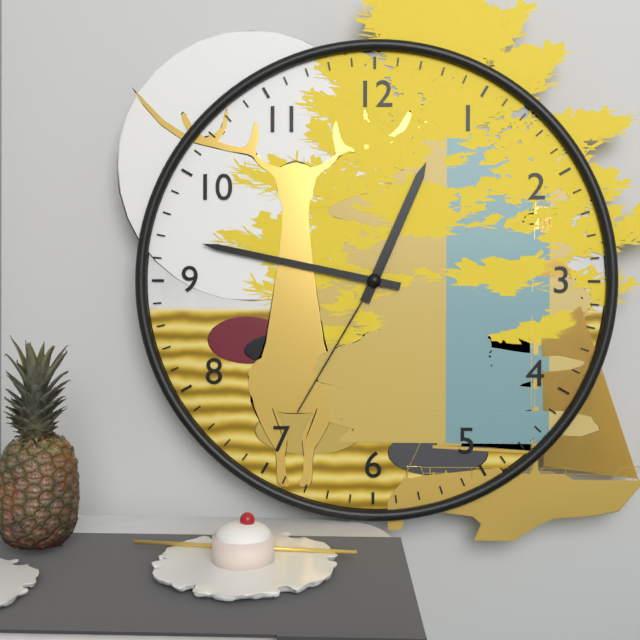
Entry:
12,47,35
